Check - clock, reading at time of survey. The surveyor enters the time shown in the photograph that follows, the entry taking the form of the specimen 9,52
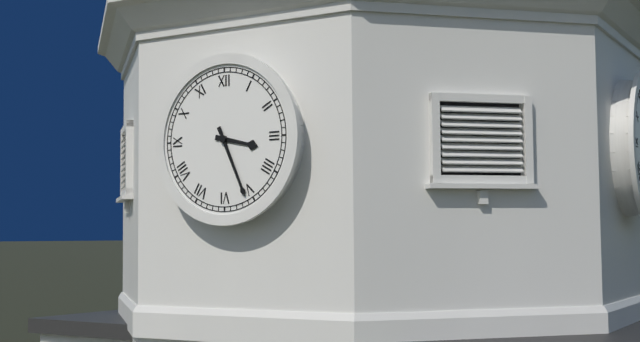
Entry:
3,26
